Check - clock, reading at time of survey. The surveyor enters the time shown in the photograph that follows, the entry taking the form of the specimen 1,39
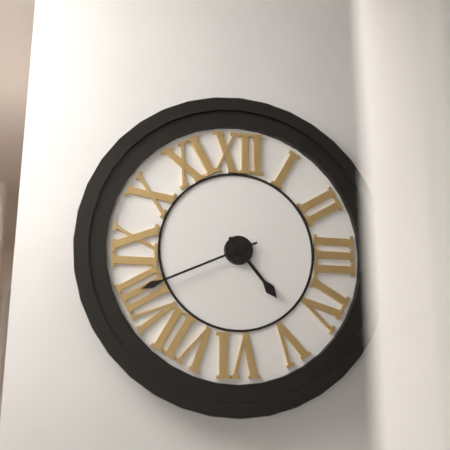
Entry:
4,41
